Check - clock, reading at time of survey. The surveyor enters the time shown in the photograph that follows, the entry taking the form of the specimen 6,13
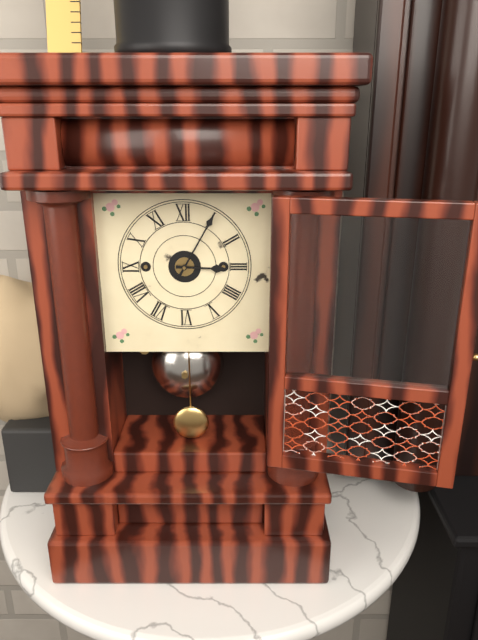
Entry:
3,05
